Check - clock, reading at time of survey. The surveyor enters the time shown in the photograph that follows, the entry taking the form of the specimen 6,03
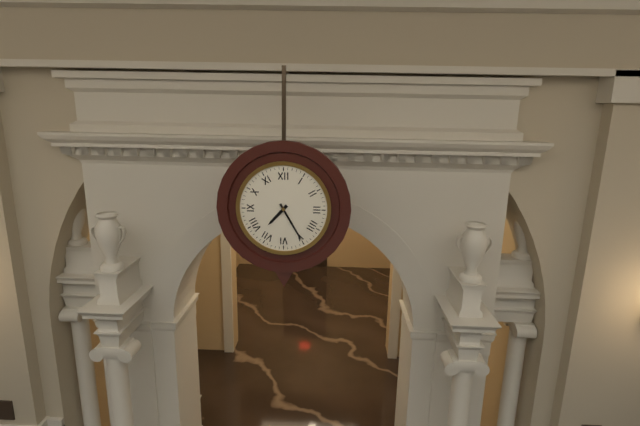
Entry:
7,25
